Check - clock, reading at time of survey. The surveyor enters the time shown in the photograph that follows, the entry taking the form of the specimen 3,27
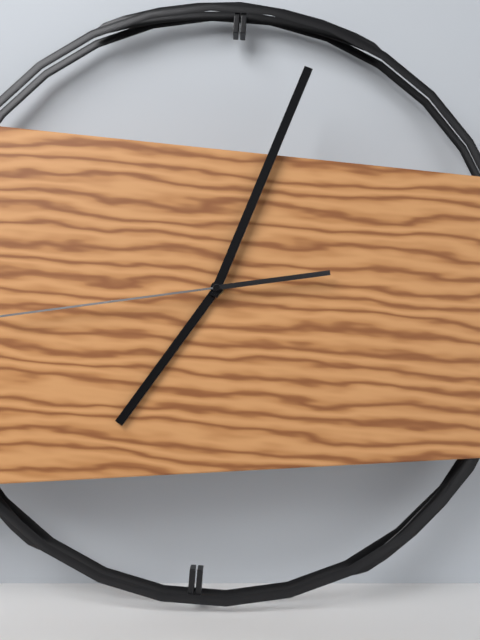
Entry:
7,03
